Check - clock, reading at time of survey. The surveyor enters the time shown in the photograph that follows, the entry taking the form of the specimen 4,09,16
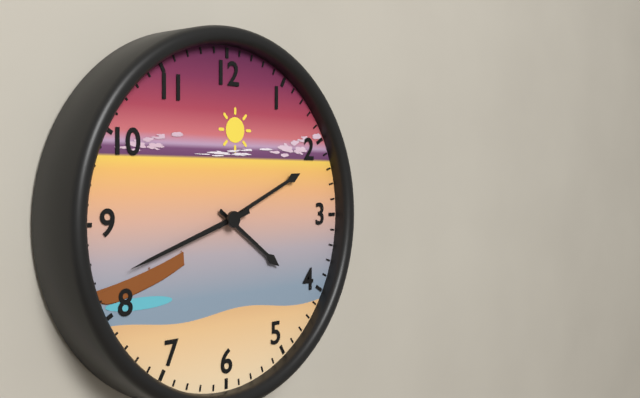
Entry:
4,11,42
